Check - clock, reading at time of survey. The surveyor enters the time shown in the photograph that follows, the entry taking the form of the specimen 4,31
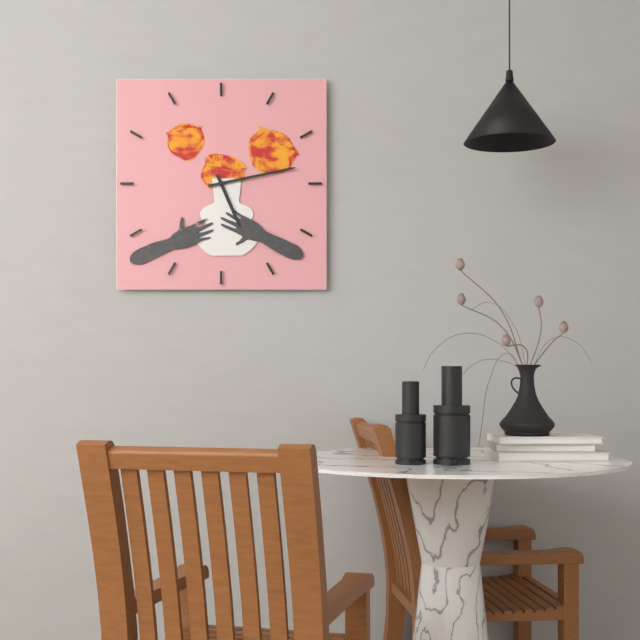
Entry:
5,13
